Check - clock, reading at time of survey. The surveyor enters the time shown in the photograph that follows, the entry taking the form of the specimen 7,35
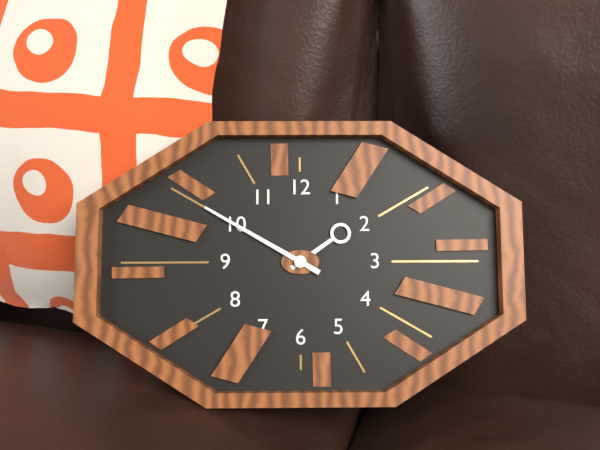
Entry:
1,50
